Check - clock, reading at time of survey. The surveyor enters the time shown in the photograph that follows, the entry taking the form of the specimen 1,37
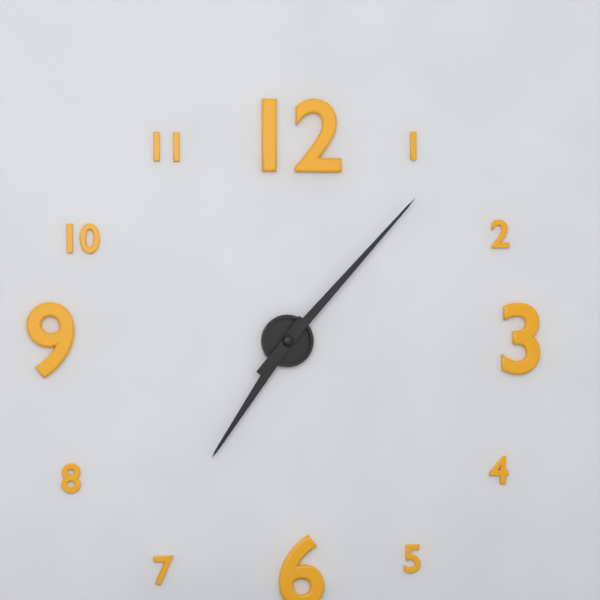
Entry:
7,07
